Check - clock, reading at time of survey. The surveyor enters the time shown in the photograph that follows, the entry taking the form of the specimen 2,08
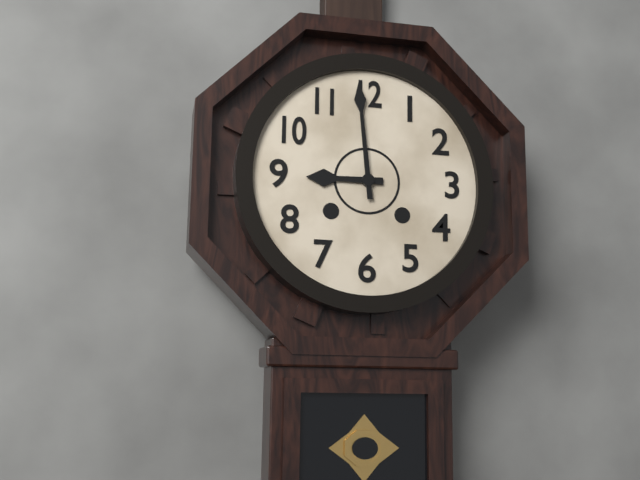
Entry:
8,59
